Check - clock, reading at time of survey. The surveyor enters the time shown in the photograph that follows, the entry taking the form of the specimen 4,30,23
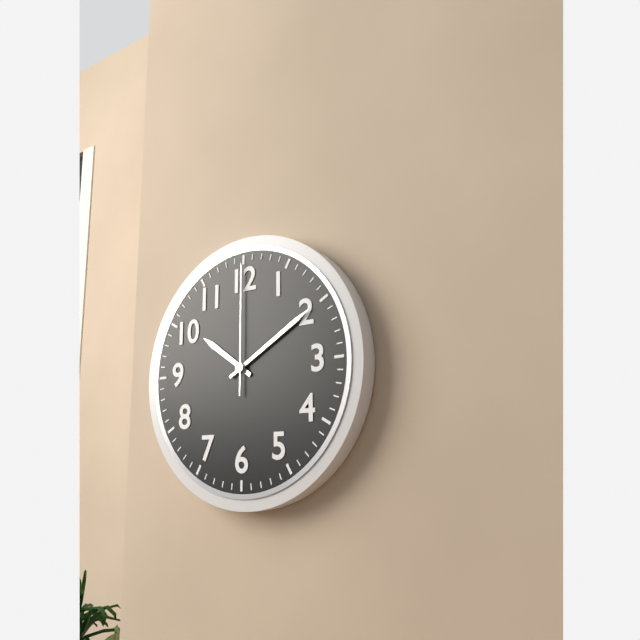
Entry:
10,10,00
